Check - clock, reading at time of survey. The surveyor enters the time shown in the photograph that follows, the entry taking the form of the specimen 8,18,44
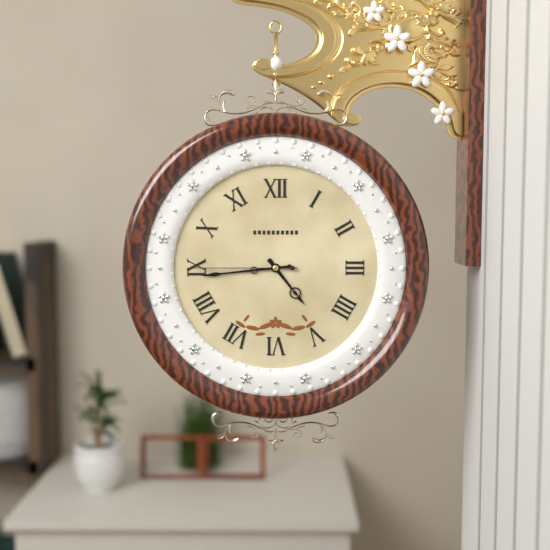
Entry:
4,44,45
